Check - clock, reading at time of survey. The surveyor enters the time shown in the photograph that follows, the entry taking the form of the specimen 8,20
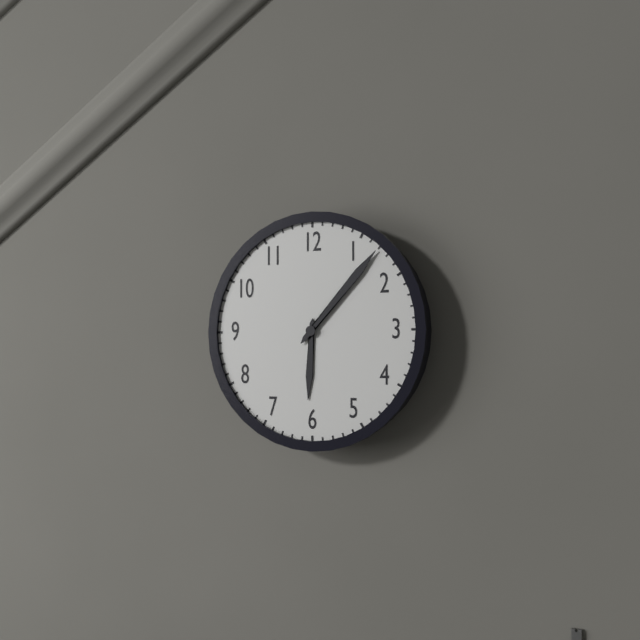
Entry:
6,07
